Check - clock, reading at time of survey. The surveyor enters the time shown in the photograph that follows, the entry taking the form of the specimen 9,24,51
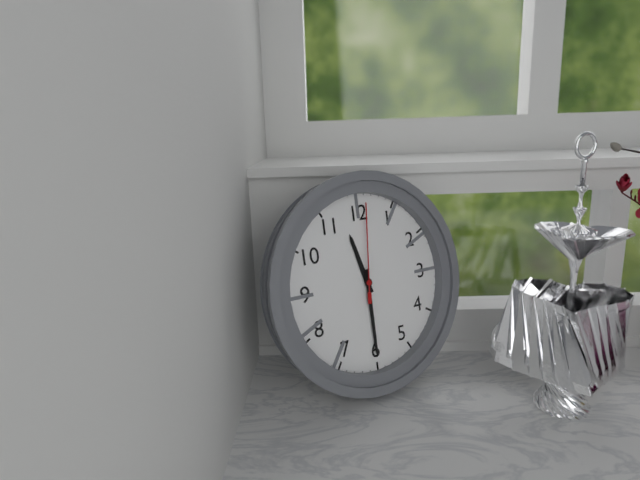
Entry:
11,30,01
